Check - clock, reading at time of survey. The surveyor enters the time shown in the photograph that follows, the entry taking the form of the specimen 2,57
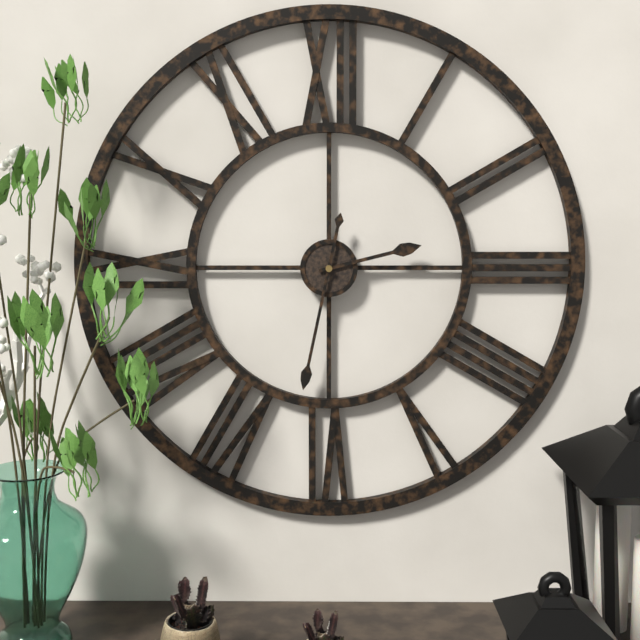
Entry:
2,32
